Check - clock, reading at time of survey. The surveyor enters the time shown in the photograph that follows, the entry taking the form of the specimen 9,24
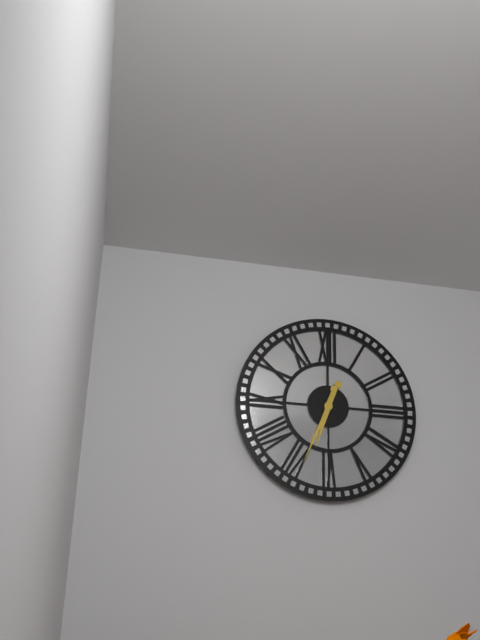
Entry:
6,34
